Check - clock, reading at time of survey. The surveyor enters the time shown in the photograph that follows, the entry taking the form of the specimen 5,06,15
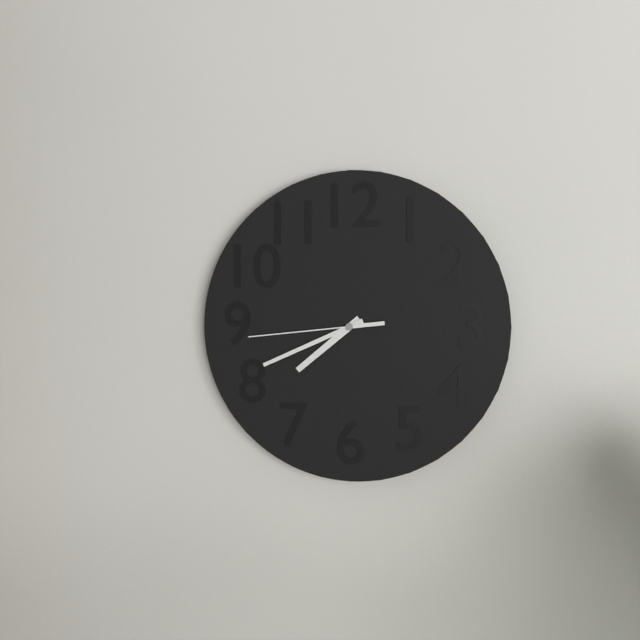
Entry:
7,41,44
